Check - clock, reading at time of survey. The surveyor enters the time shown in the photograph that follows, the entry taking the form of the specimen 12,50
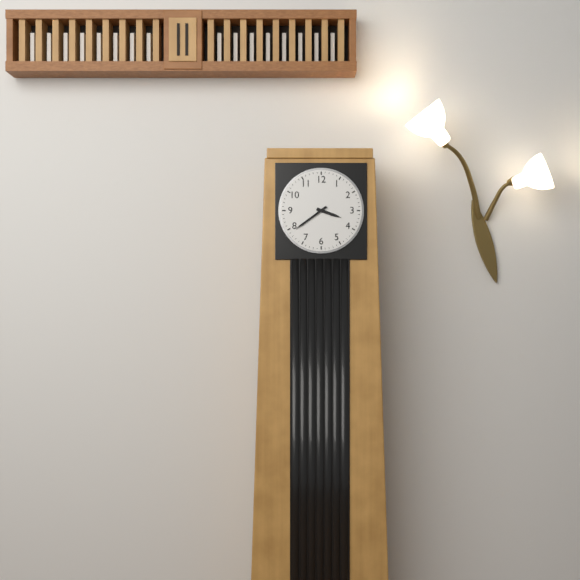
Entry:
3,39
